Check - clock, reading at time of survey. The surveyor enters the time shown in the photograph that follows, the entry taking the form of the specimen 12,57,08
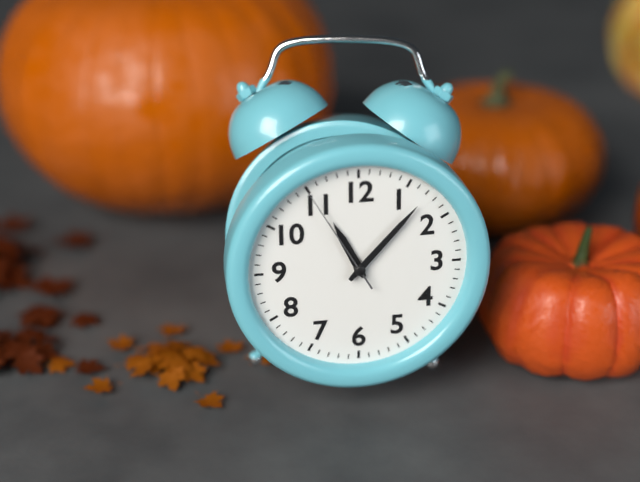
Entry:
11,07,55
